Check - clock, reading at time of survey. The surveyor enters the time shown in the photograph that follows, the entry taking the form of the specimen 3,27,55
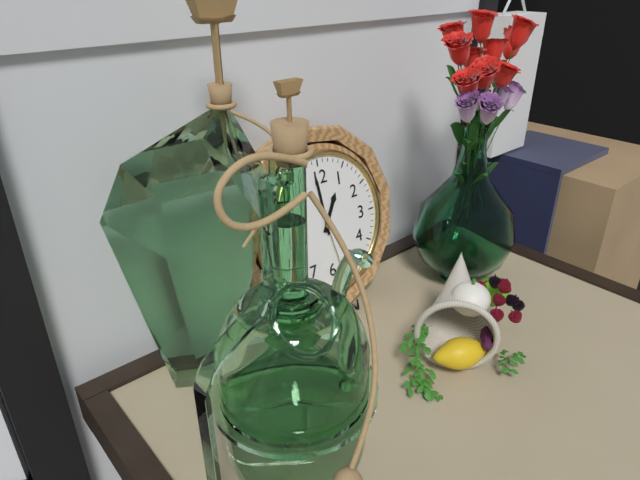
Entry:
12,59,28
